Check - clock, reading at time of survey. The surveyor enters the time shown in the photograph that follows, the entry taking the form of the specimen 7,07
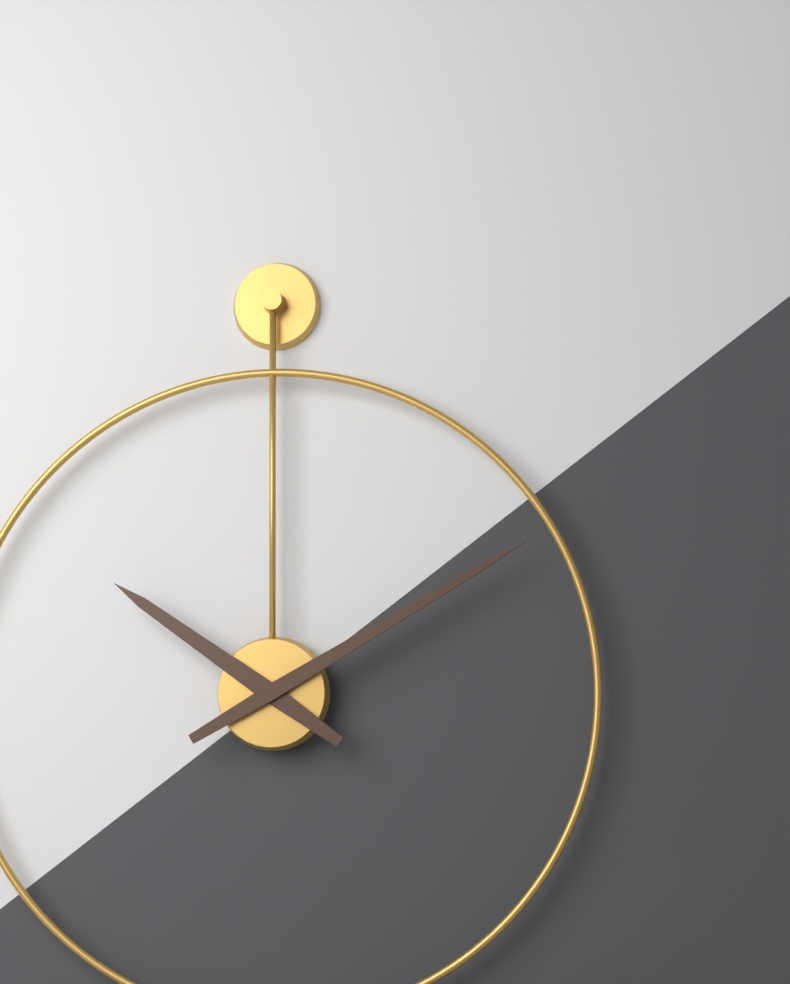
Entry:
10,10
